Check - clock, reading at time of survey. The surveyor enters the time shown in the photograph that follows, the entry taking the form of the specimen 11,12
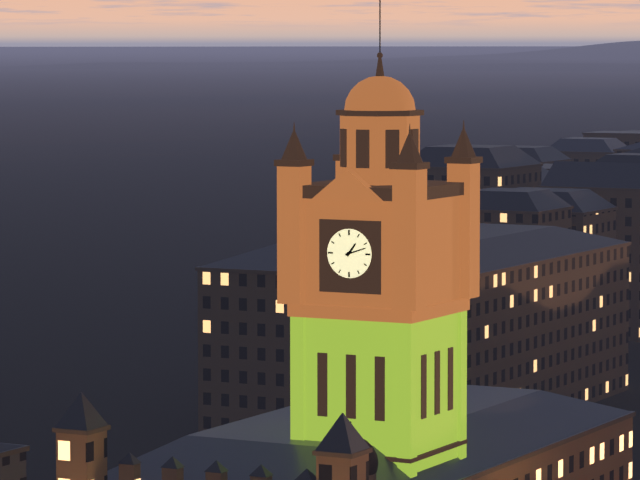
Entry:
1,12
